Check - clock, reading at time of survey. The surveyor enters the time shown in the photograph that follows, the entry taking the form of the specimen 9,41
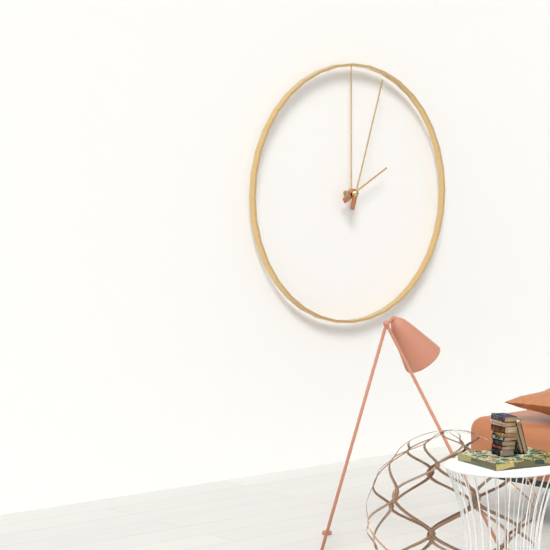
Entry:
2,03
